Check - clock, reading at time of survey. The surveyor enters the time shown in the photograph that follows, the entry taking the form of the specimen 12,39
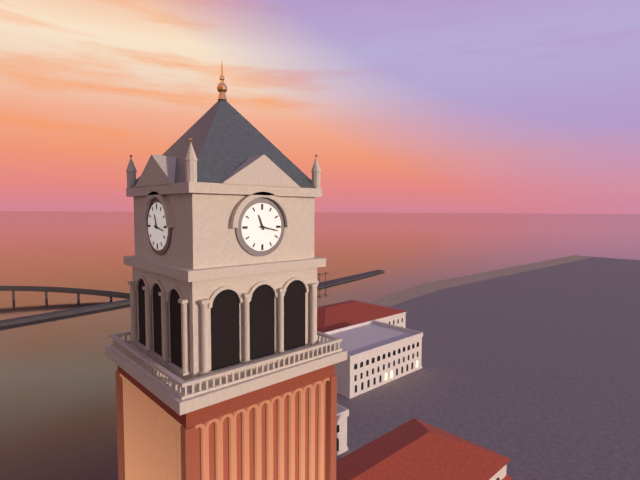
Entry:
11,17
